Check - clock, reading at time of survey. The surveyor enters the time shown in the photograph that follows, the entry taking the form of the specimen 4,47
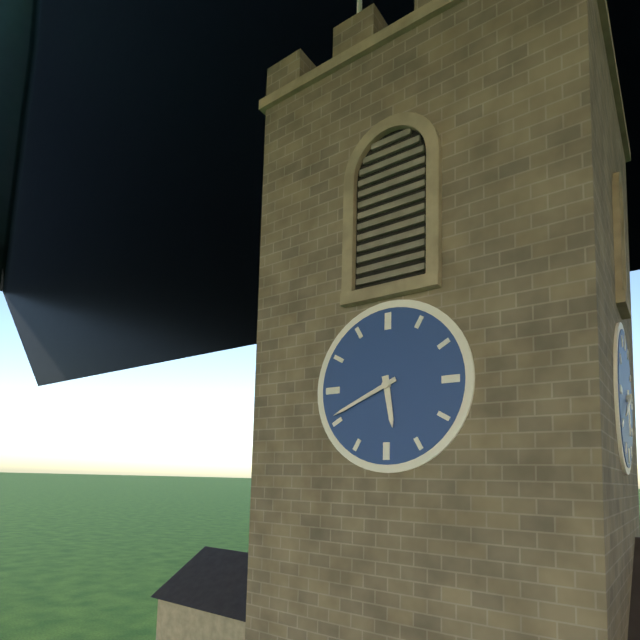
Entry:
5,41
